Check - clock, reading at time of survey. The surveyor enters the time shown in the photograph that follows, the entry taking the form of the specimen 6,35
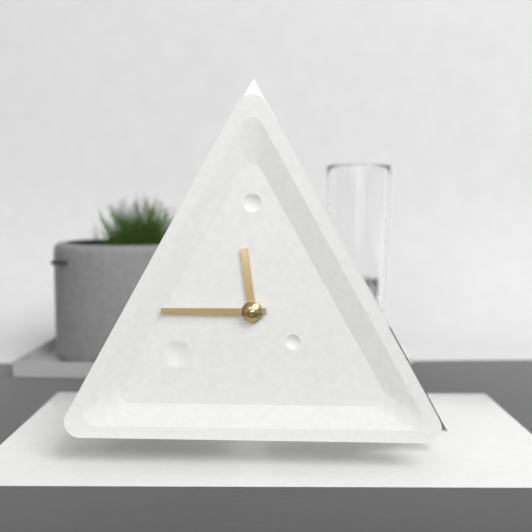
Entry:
11,45
